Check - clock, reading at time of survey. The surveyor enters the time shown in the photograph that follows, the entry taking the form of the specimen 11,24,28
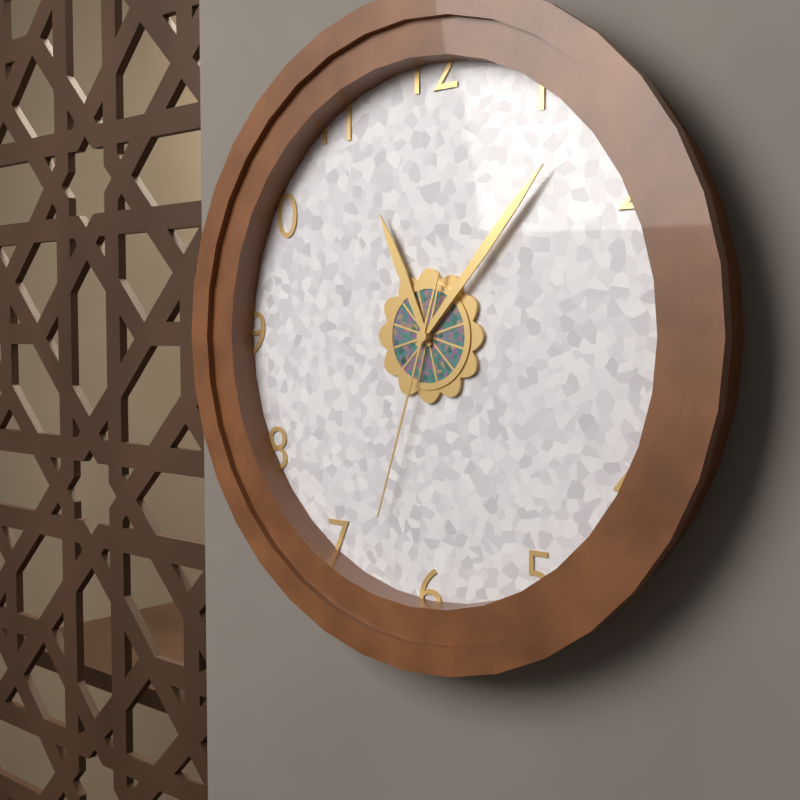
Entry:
11,07,33
